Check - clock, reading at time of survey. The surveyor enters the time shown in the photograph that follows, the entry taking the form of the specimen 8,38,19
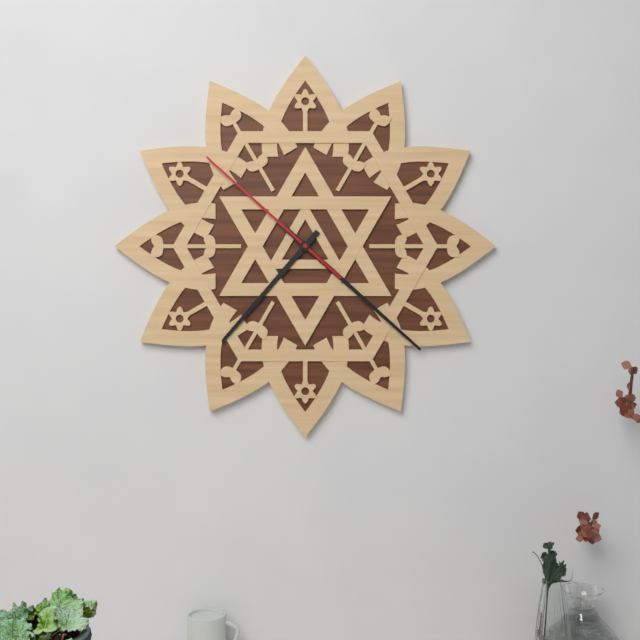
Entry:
7,22,52
